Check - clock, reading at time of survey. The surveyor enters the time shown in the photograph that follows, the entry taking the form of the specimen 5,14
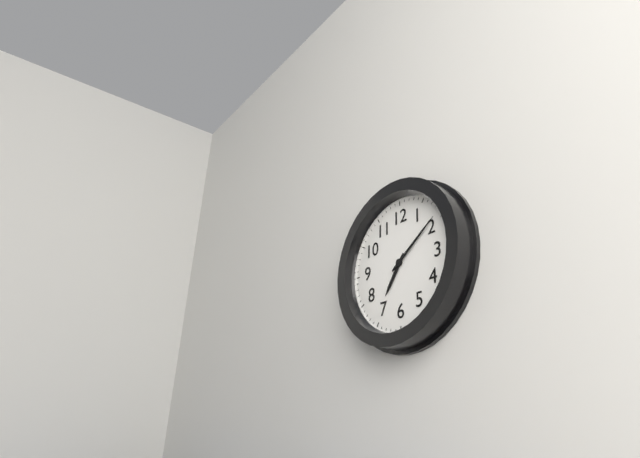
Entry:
7,09
